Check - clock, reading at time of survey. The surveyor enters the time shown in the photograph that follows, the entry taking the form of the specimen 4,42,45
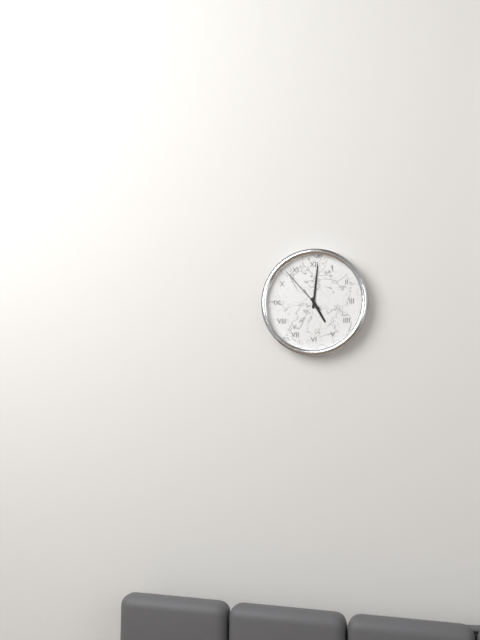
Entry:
5,01,53
